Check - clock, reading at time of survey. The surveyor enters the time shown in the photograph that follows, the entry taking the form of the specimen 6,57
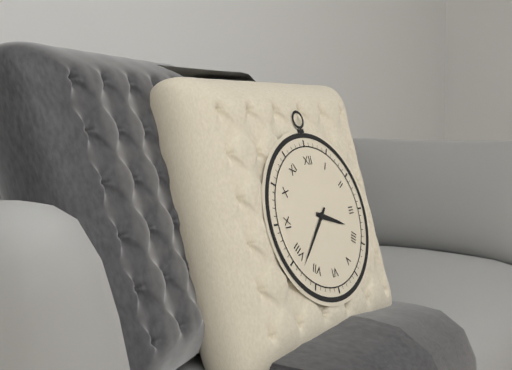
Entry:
3,38
